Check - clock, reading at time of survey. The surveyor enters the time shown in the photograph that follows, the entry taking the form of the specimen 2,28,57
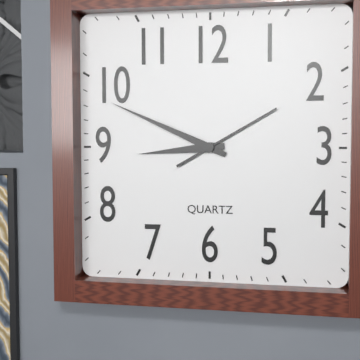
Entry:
8,49,10
